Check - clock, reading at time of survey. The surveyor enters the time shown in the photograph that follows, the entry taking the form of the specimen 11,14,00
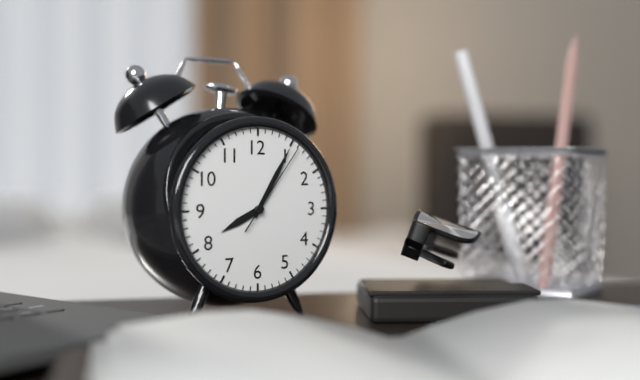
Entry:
8,05,06
